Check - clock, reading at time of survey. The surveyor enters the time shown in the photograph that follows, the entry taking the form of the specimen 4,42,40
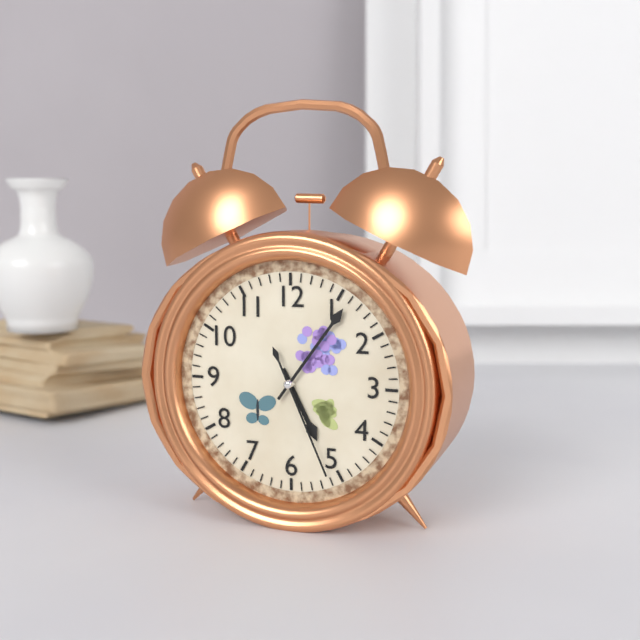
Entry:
5,06,26
